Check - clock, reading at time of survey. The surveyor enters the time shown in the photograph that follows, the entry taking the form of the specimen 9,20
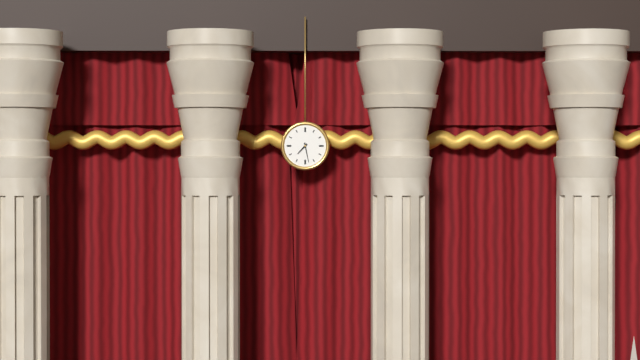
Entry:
7,28
